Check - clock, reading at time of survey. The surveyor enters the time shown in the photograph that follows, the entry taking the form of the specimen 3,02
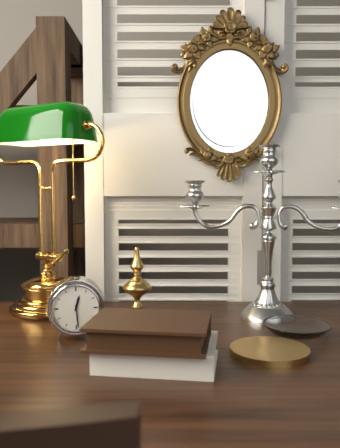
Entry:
12,29
